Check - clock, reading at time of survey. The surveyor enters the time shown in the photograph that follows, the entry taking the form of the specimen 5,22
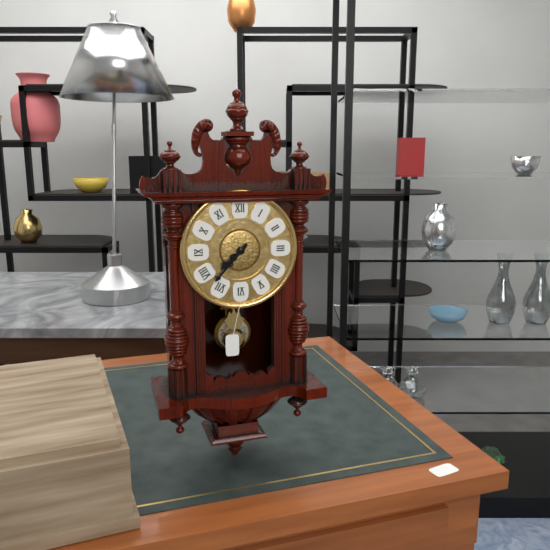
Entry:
7,37
